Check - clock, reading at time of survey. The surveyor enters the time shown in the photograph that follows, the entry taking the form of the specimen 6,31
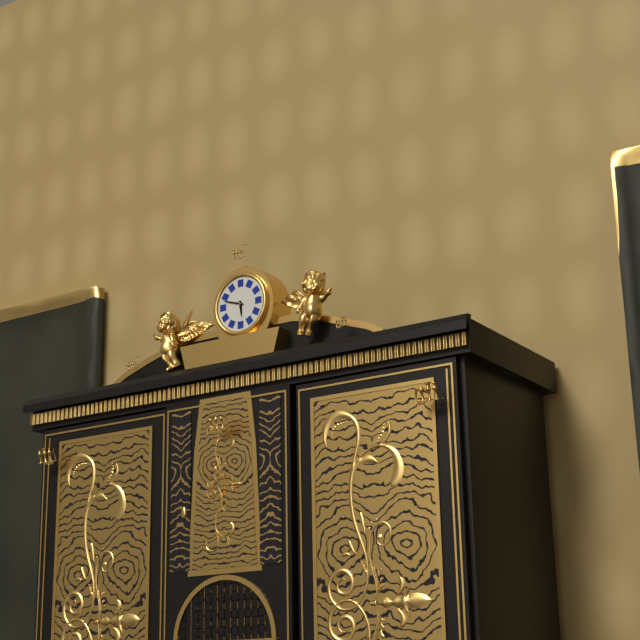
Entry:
5,48
